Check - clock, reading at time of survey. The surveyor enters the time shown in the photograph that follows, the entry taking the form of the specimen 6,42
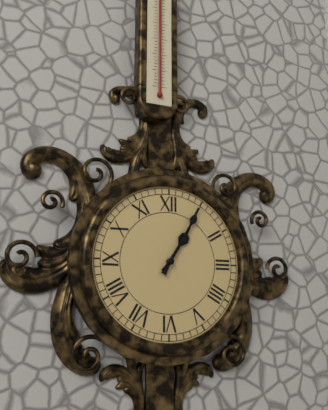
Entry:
1,05
